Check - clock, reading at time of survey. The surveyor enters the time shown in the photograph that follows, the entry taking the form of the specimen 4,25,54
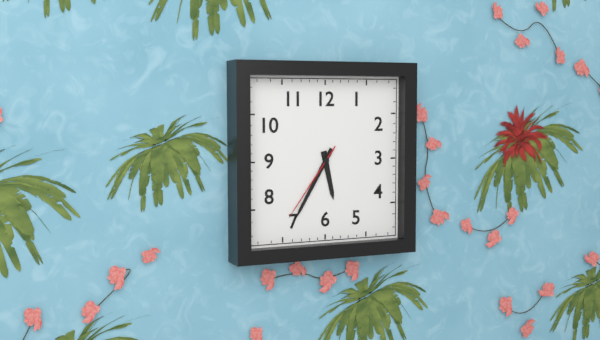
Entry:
5,35,36
